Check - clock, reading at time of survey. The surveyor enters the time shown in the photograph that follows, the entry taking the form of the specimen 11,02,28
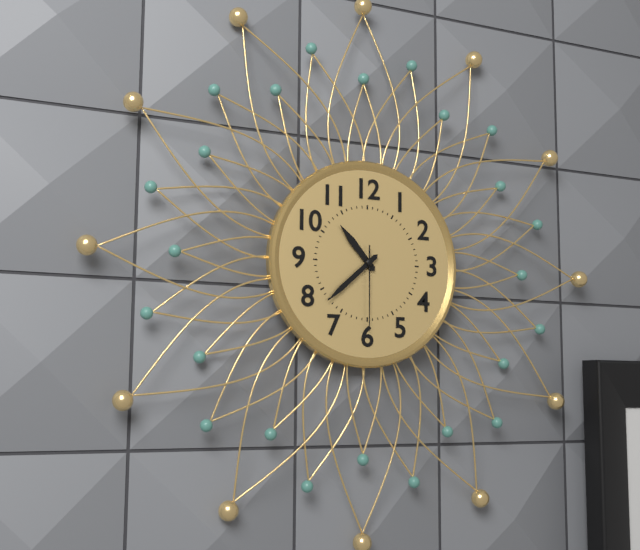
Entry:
10,38,30
